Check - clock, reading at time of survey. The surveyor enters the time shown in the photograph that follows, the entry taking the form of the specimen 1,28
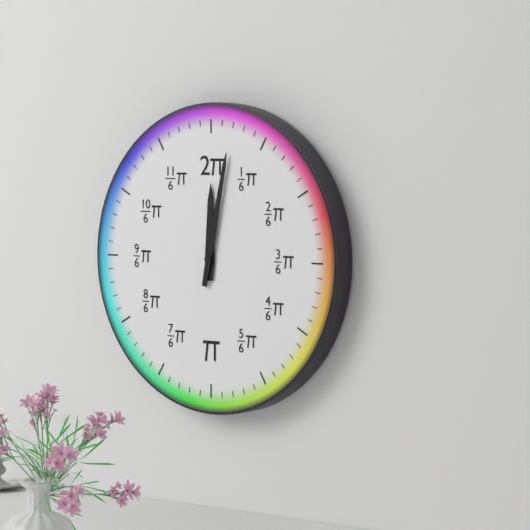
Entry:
12,02
